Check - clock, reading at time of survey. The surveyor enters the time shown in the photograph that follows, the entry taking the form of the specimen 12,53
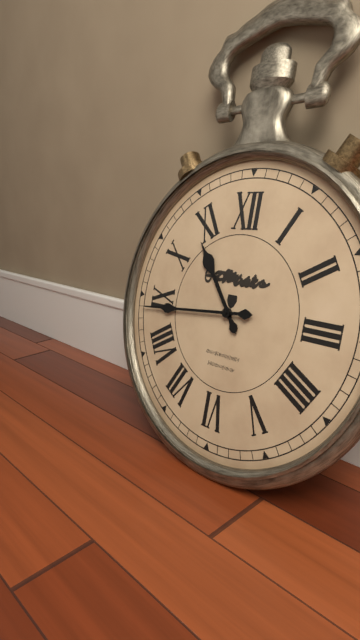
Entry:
10,44
